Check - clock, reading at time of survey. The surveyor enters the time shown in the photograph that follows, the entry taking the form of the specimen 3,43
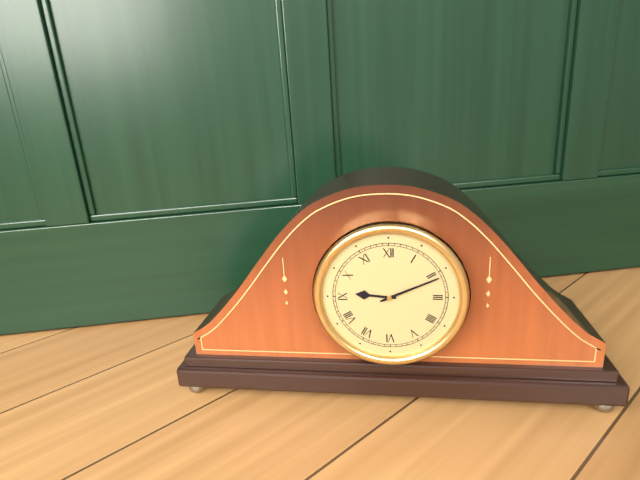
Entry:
9,11
